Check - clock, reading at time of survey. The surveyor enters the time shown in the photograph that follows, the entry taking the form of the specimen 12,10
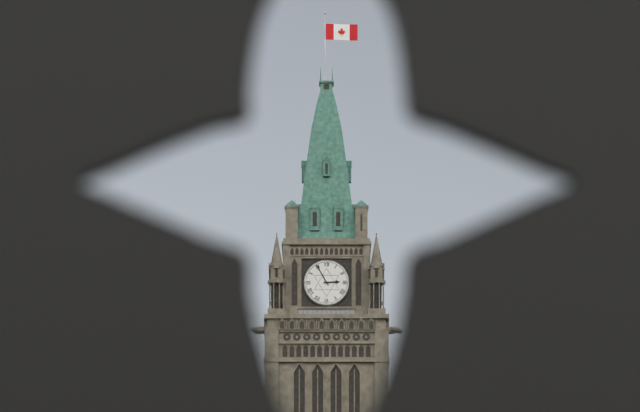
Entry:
2,55
